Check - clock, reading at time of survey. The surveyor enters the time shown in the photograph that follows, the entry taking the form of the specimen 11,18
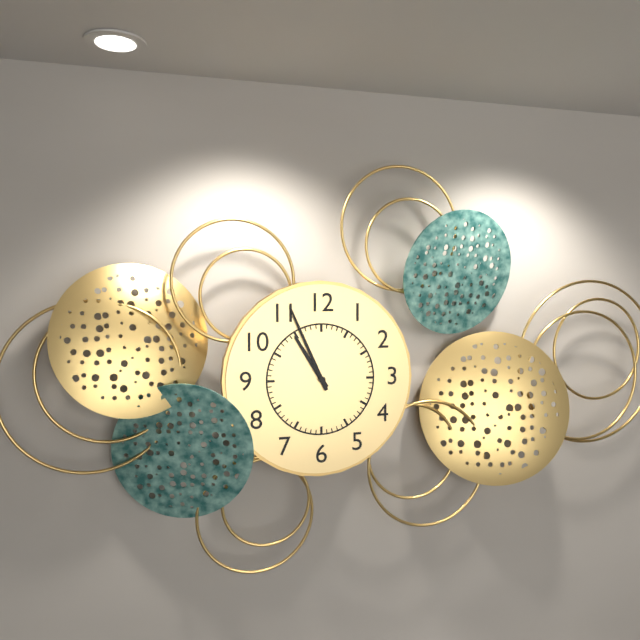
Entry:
10,56
